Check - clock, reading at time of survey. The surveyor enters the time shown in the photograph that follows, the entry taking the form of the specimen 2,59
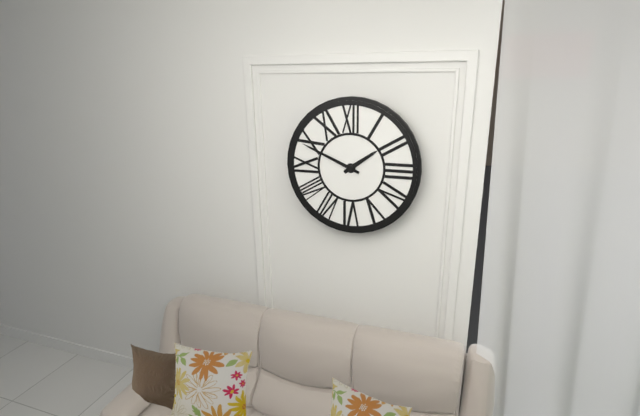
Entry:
1,49
